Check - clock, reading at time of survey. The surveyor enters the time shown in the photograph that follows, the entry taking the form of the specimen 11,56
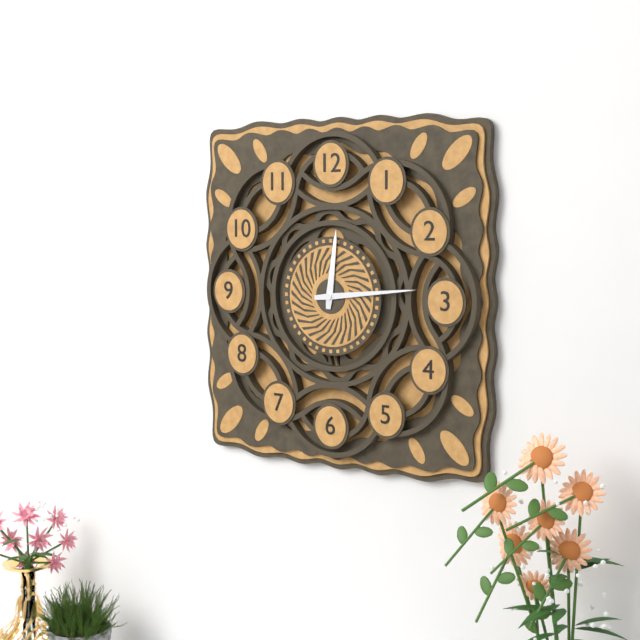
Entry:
12,14
